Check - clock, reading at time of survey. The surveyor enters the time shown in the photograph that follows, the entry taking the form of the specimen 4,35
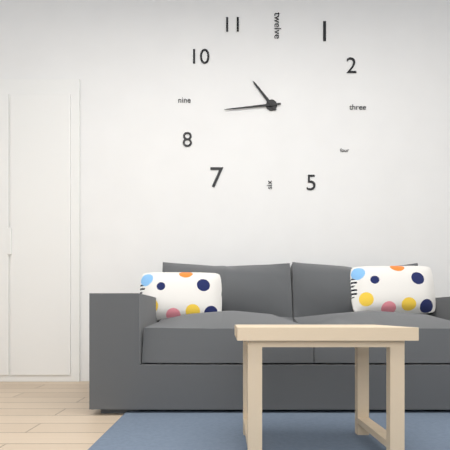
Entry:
10,44
